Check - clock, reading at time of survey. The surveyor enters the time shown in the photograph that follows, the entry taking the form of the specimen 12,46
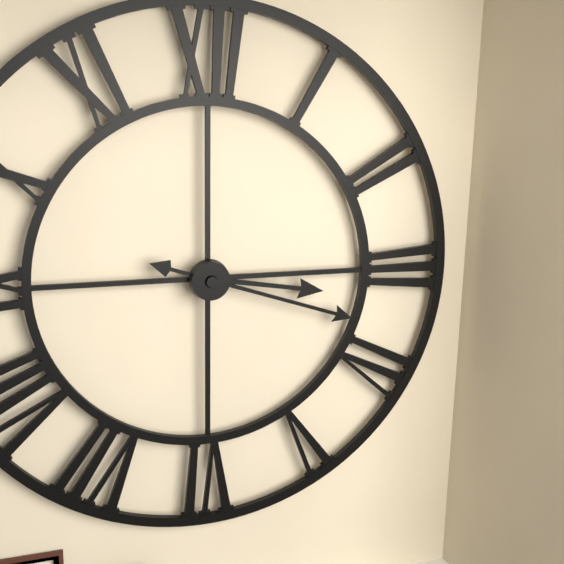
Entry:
3,18
